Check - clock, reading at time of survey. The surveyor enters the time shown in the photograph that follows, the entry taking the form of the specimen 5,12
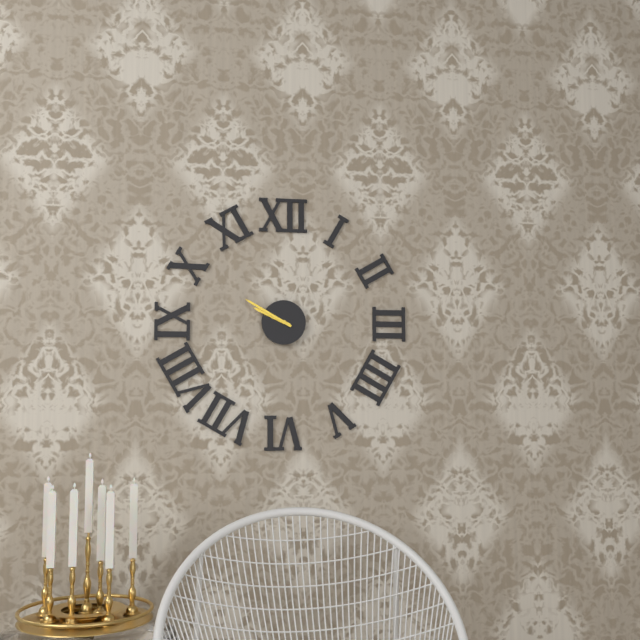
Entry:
9,50
